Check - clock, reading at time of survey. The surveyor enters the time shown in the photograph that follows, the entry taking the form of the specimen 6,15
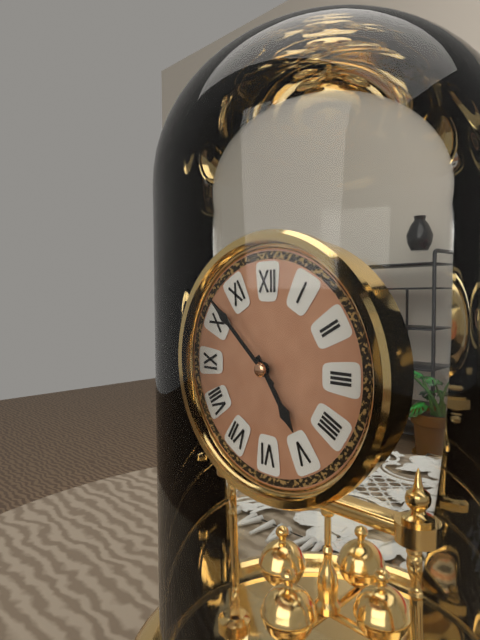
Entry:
4,52
